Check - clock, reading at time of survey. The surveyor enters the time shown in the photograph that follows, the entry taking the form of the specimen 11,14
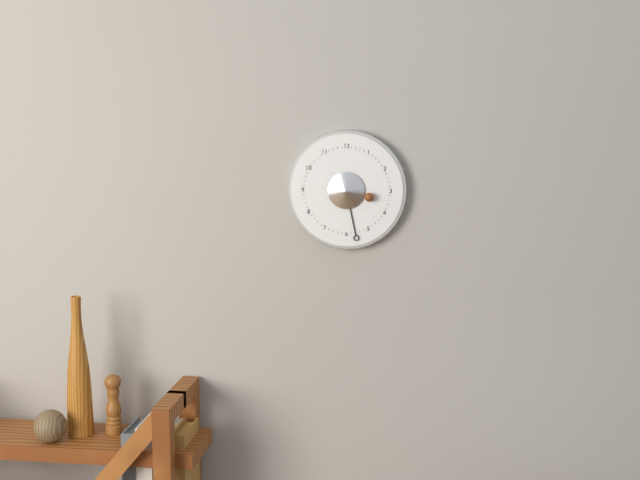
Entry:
3,28
